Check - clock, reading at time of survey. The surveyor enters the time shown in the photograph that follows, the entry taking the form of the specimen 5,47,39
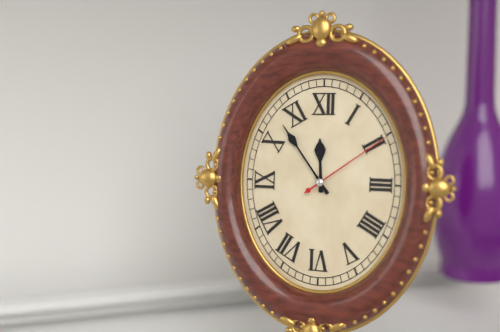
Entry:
11,54,09
